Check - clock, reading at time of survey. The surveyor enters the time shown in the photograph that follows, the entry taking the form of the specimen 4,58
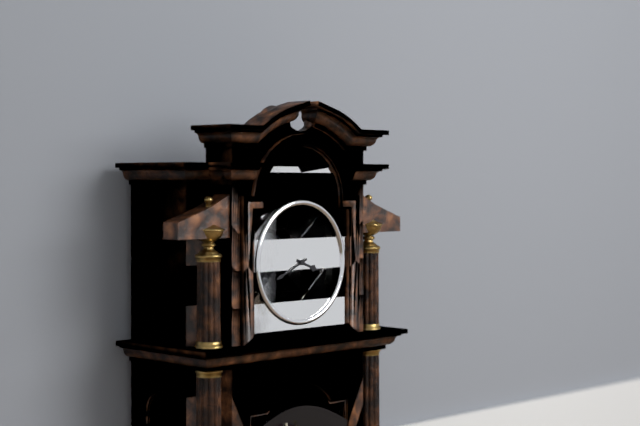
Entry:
3,41
